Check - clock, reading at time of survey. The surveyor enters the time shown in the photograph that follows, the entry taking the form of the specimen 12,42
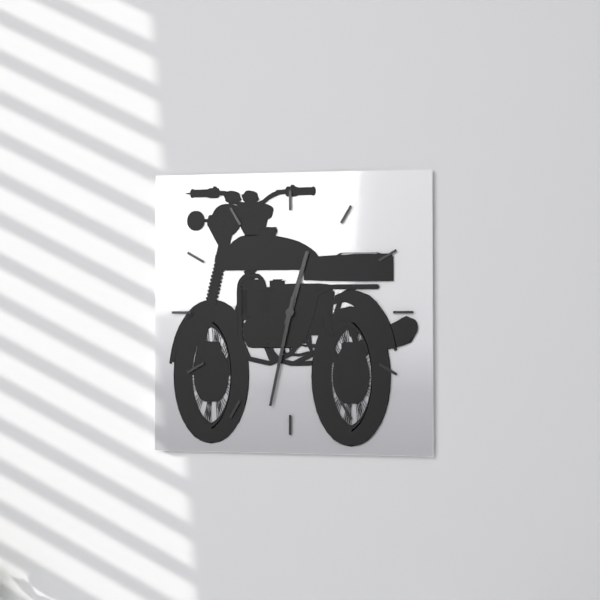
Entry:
12,32
